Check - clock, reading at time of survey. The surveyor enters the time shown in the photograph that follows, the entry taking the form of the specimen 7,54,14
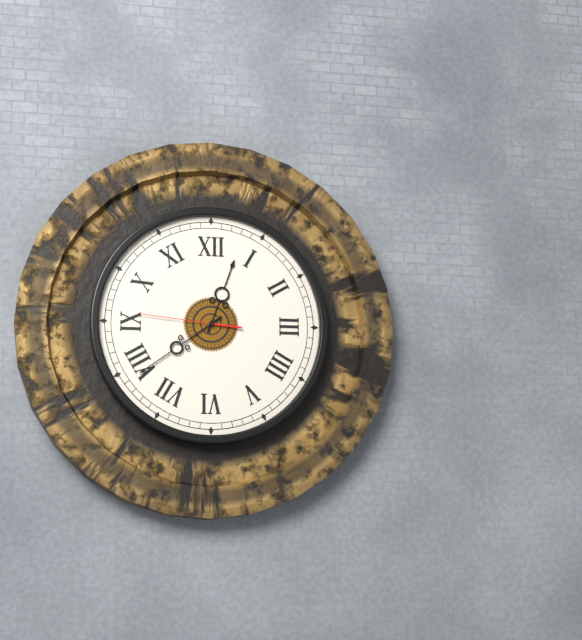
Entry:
12,39,46
